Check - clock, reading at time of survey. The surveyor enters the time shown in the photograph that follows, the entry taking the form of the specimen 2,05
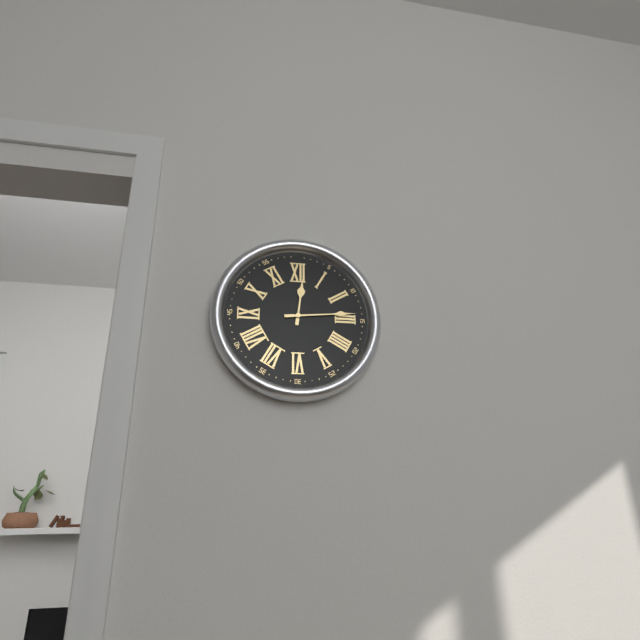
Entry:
12,14
